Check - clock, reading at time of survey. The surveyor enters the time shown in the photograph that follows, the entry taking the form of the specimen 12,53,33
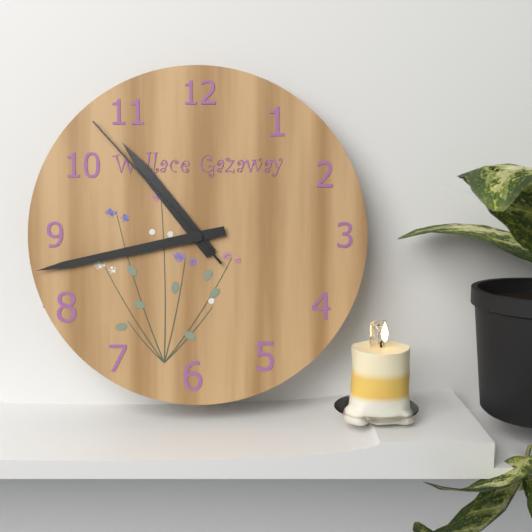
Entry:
10,43,53
